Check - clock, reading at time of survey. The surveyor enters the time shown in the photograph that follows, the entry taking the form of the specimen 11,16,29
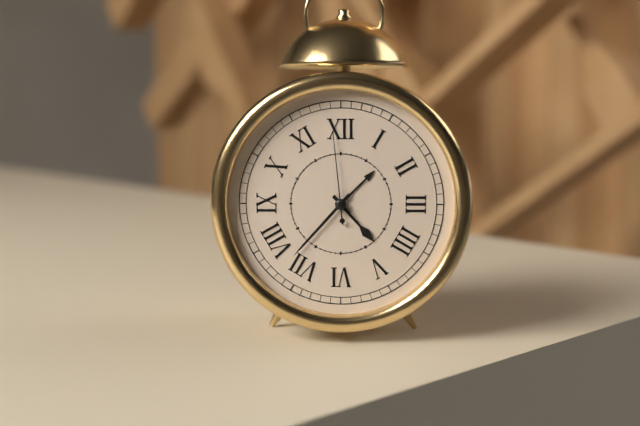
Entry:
4,37,59
